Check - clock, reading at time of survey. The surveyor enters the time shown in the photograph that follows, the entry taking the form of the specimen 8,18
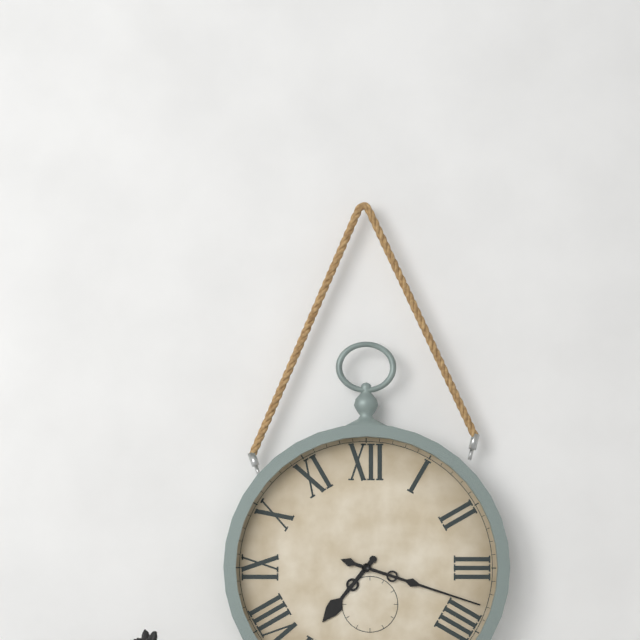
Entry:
7,18
